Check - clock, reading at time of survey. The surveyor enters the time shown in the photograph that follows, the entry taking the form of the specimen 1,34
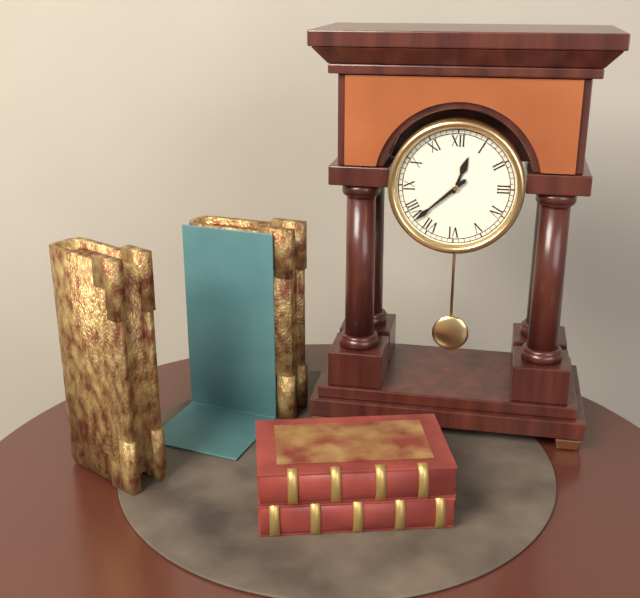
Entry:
12,38
